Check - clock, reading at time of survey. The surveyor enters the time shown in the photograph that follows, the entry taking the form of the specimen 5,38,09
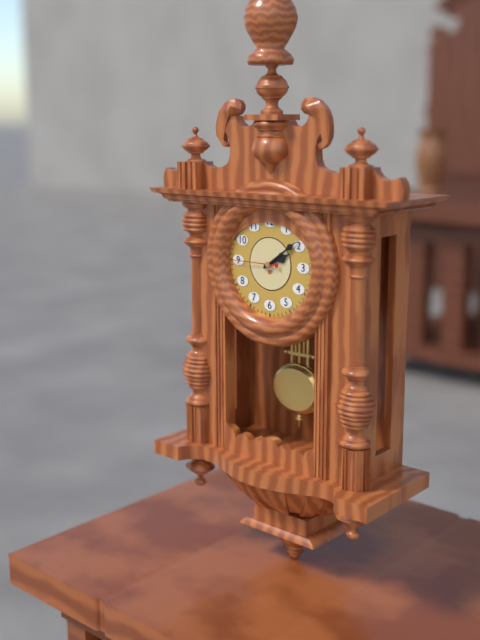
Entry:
2,09,45
